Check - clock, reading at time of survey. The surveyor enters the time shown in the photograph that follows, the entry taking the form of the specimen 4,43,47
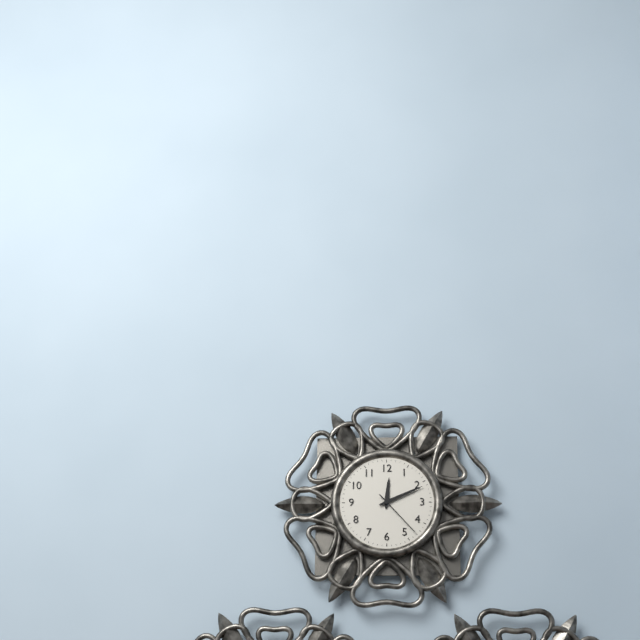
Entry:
12,11,23
